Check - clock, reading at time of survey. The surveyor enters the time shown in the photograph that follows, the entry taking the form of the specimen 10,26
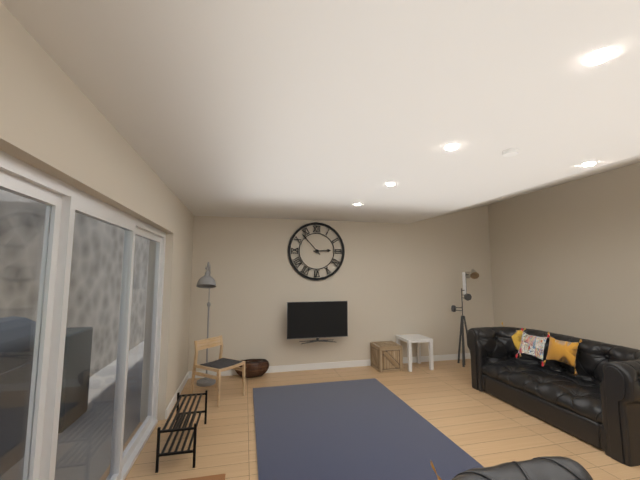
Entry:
2,53
